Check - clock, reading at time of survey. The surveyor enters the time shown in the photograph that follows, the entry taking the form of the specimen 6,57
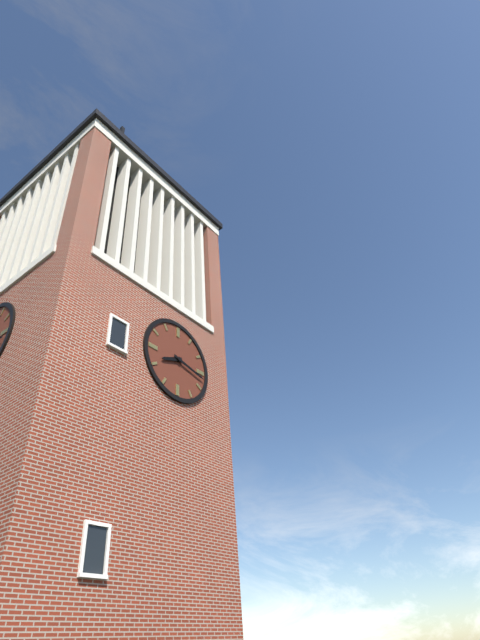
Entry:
8,17
